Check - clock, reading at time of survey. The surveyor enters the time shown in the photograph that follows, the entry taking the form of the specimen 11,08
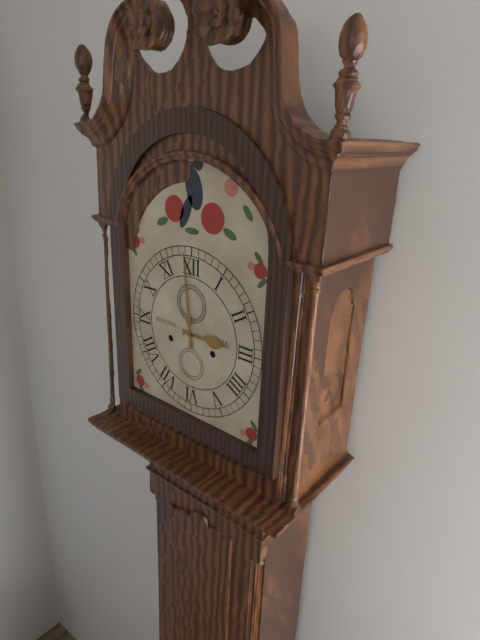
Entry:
2,59
